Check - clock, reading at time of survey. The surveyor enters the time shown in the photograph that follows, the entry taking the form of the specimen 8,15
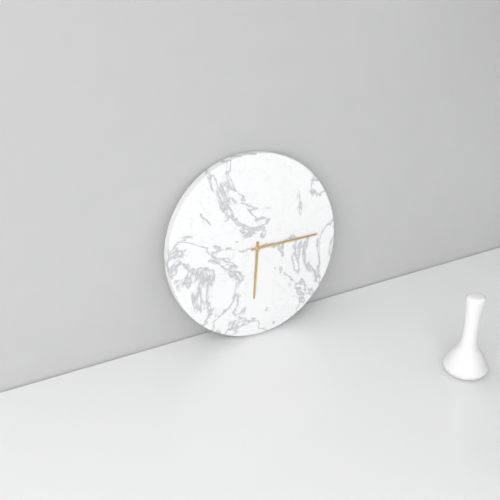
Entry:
6,15
